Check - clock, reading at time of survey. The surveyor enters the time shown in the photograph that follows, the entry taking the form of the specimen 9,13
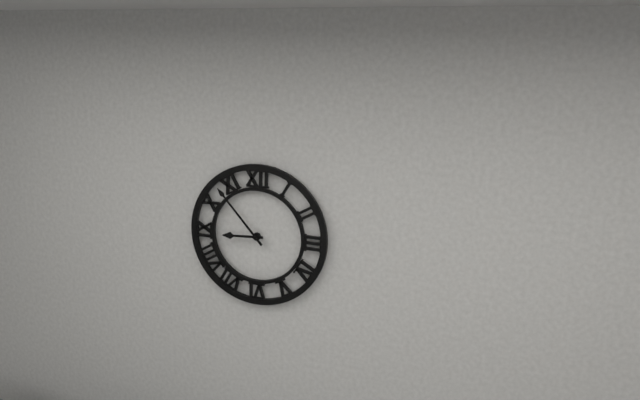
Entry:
8,53
